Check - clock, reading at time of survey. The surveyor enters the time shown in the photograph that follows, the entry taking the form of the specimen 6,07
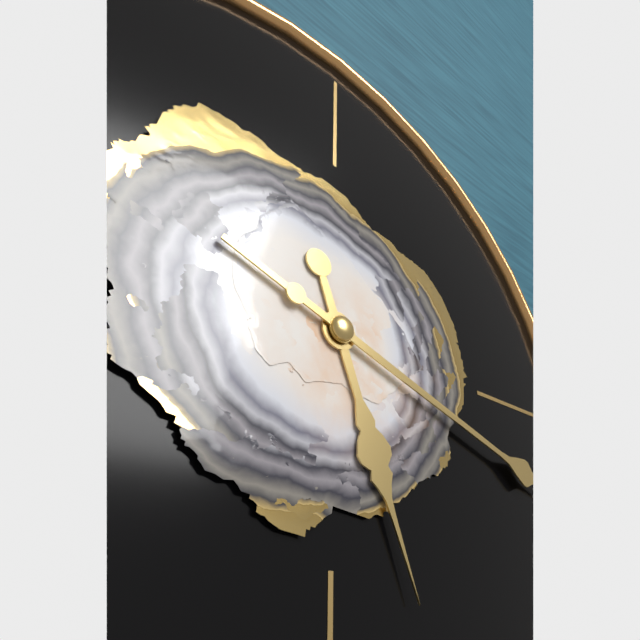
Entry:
5,18
